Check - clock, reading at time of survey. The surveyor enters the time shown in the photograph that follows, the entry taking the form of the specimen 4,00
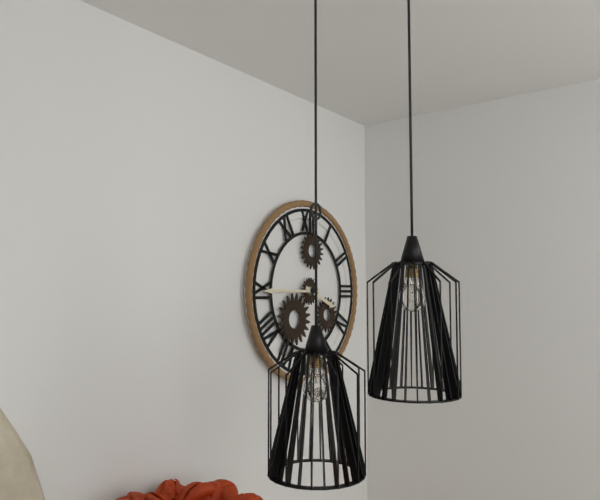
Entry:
3,45
